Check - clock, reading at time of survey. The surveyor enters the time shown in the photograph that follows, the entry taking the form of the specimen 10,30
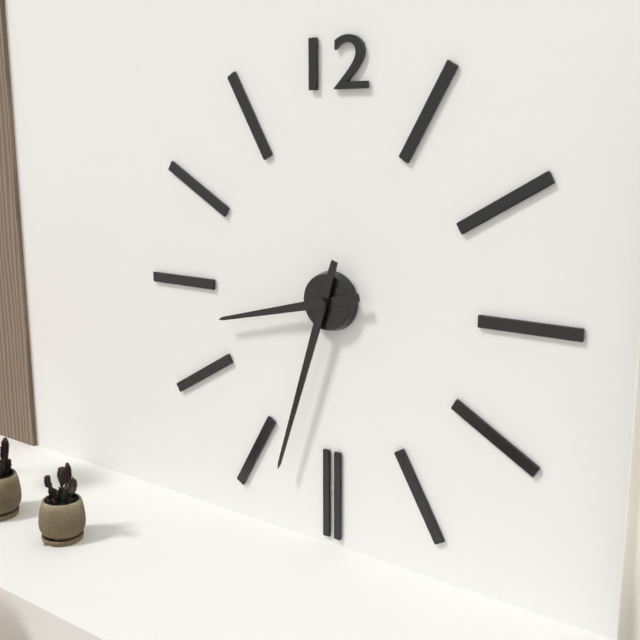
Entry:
8,33
